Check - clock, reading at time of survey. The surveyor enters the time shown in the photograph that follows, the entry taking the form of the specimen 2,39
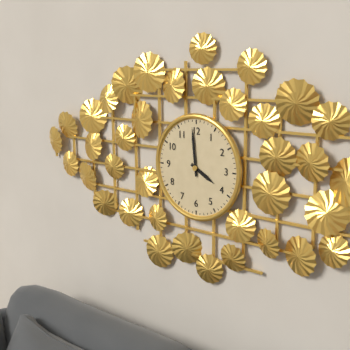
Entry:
3,59
